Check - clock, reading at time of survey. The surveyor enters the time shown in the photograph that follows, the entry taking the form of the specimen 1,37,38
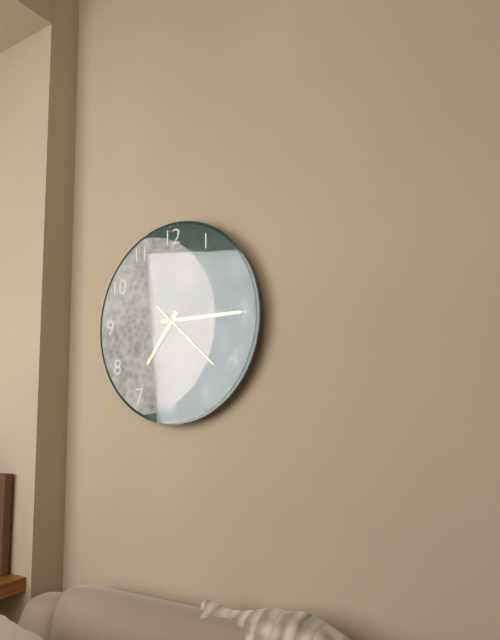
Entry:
7,15,22
